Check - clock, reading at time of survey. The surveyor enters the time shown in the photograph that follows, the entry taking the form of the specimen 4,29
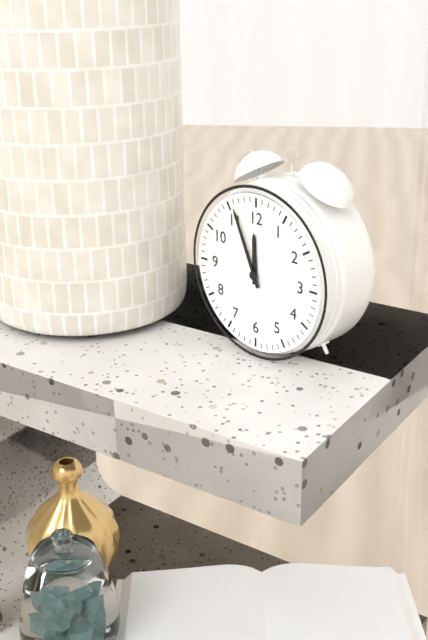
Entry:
11,56
